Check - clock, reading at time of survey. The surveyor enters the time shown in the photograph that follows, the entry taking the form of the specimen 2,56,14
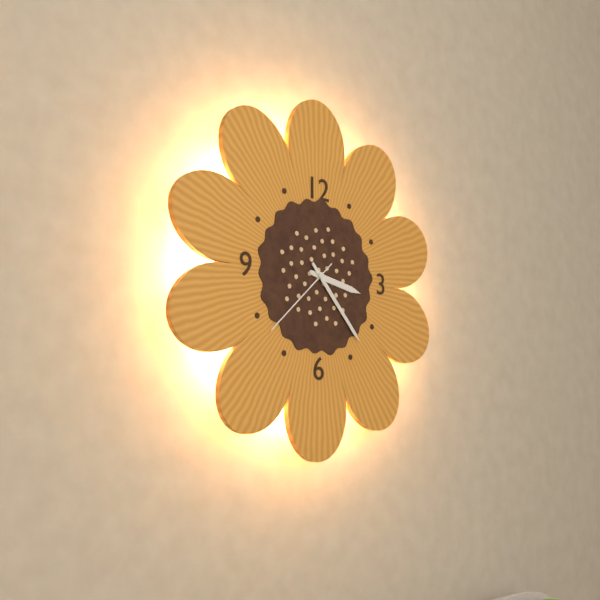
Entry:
3,23,38
